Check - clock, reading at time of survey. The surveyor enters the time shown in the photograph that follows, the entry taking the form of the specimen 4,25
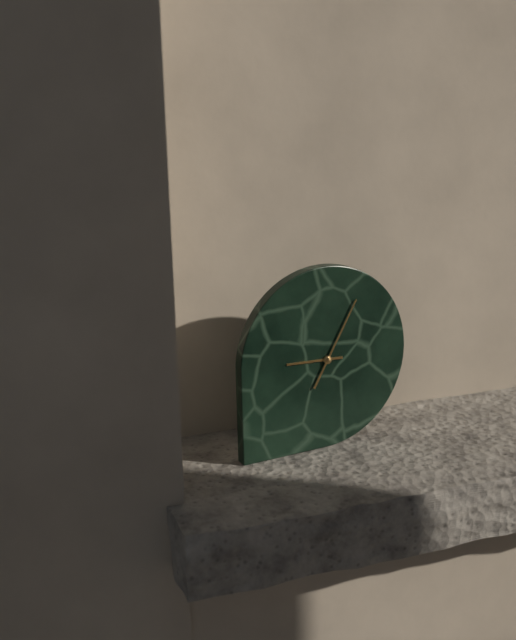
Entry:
9,05
